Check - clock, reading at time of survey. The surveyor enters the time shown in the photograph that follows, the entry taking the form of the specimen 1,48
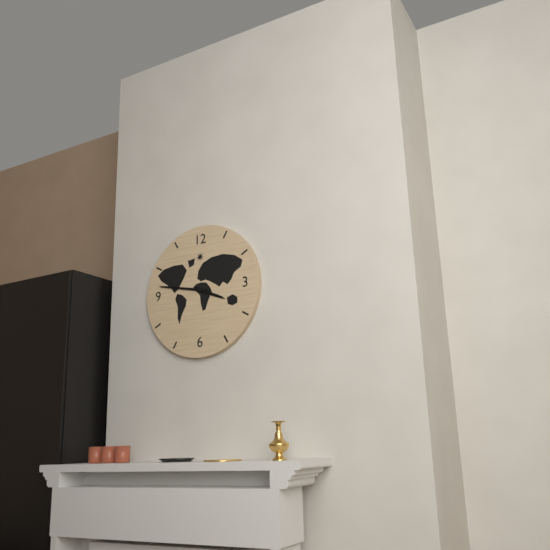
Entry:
3,47
